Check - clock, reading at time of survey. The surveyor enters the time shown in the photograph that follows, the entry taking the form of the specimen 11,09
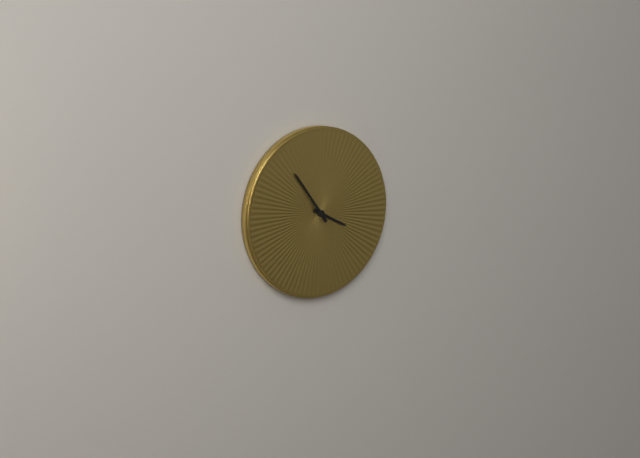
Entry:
3,54
